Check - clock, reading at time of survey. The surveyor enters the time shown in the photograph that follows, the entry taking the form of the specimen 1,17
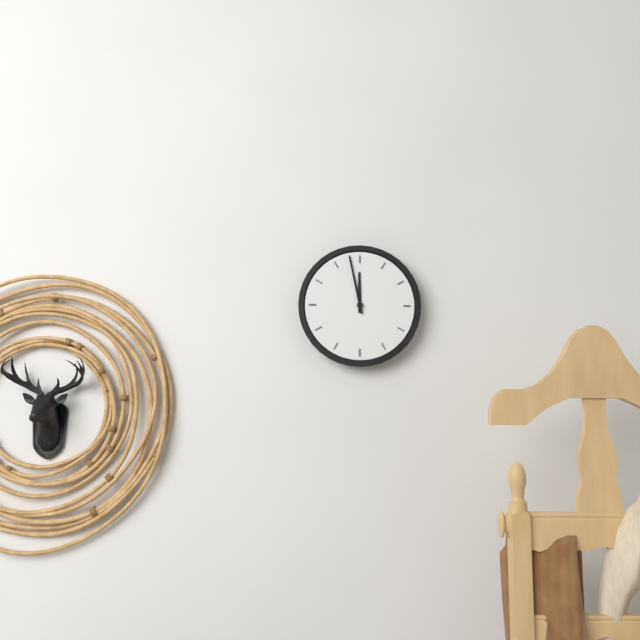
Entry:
11,58
